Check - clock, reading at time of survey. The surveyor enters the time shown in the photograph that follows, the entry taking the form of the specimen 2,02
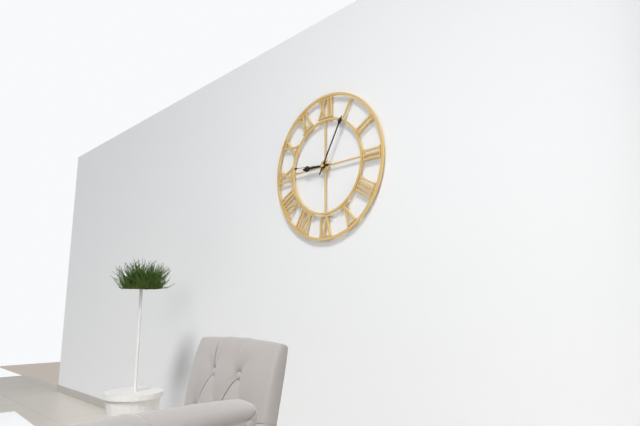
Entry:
9,05
